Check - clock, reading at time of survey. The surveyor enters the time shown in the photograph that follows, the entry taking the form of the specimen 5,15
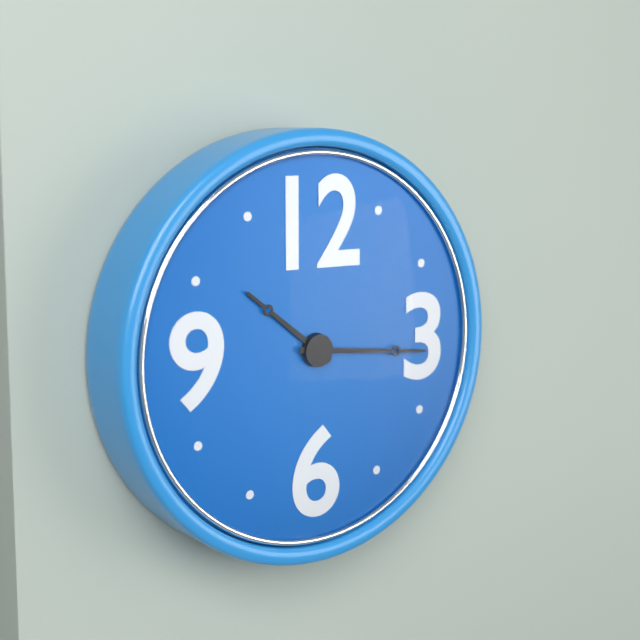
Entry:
10,16
